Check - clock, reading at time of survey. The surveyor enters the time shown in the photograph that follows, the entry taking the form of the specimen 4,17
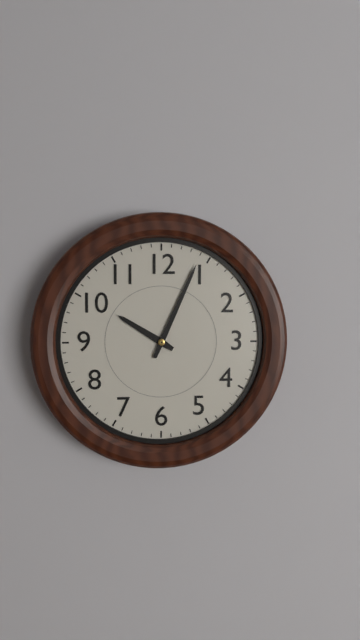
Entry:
10,04
